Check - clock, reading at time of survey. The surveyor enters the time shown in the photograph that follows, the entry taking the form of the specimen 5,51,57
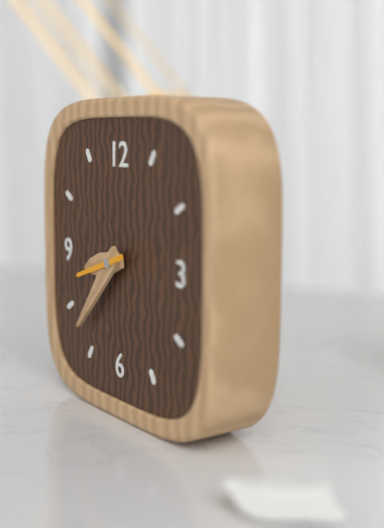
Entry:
8,37,42
